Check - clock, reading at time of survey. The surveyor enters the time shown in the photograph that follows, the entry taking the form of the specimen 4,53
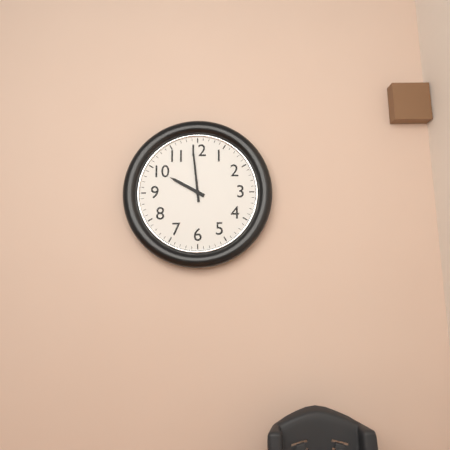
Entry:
9,59
